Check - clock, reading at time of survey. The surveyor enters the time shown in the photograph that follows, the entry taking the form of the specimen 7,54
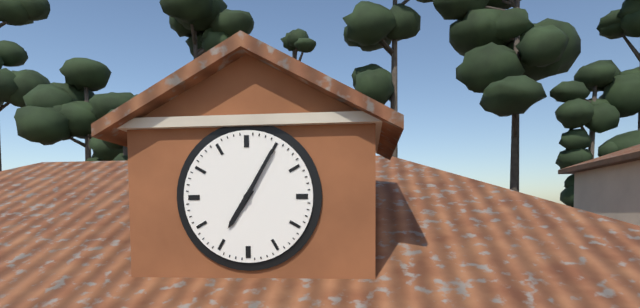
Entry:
7,05
